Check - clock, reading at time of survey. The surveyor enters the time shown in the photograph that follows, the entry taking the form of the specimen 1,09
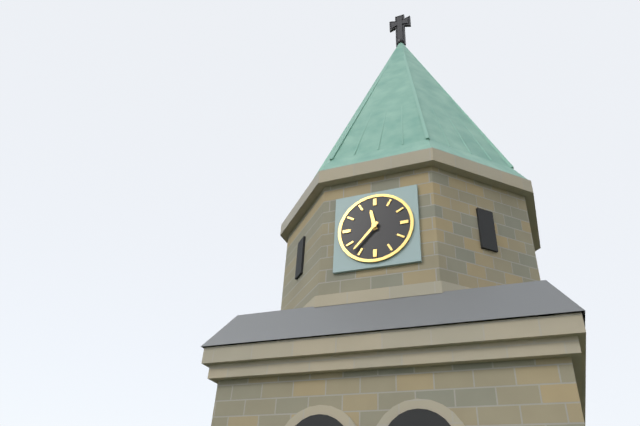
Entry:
11,37
